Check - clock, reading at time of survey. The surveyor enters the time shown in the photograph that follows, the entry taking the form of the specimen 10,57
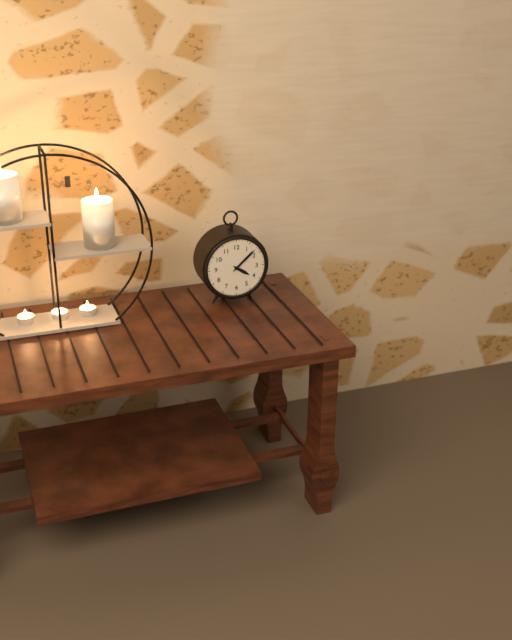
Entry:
4,08
